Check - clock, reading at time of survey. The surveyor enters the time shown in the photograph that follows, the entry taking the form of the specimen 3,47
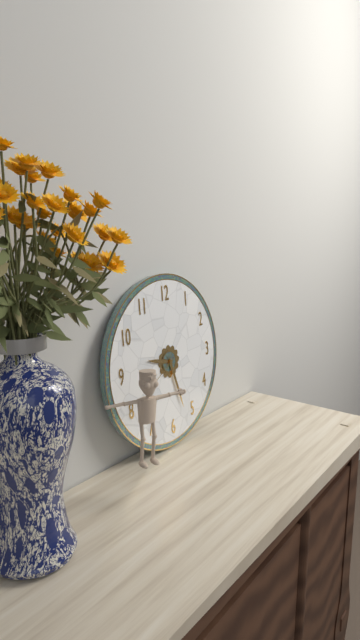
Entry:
9,27
